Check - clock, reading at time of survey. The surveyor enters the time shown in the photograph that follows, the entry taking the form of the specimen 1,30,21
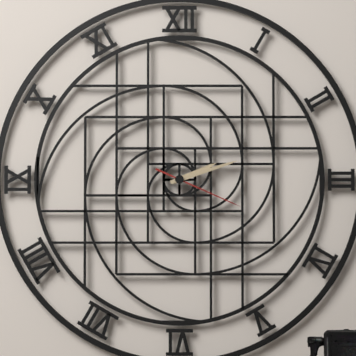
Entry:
2,12,19
